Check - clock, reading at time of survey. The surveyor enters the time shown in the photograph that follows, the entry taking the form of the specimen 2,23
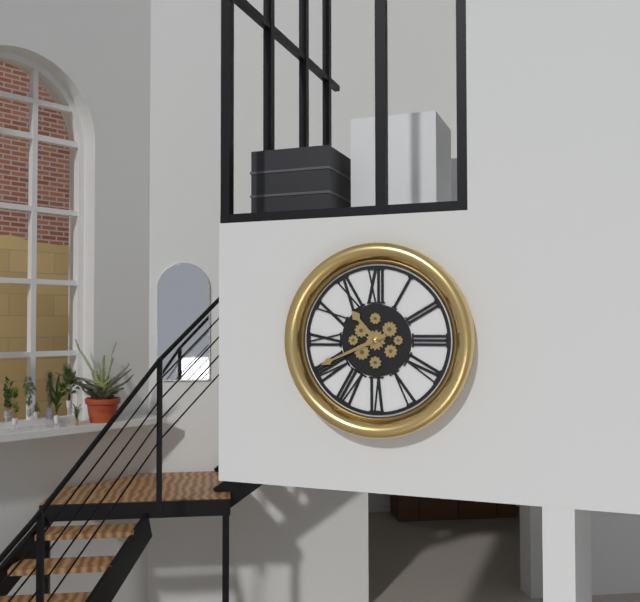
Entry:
10,41
